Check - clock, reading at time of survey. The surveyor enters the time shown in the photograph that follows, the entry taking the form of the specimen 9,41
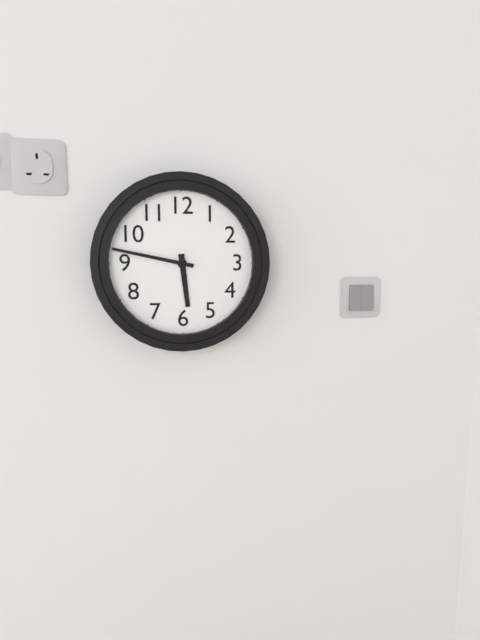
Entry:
5,47
